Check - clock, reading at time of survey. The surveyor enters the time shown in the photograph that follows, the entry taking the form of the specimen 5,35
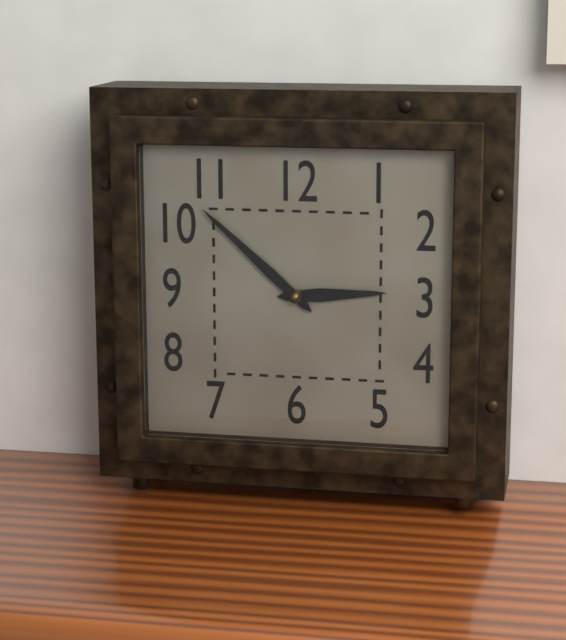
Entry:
2,52
